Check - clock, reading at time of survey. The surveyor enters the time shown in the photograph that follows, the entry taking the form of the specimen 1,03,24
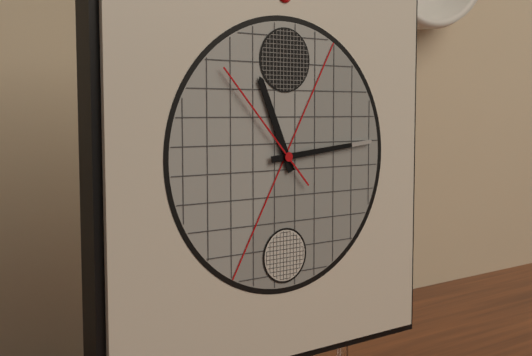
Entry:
11,14,53
